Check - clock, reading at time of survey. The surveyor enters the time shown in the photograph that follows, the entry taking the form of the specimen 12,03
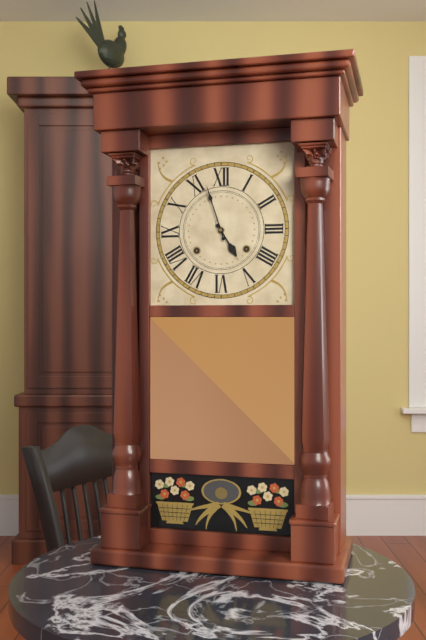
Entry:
4,57
